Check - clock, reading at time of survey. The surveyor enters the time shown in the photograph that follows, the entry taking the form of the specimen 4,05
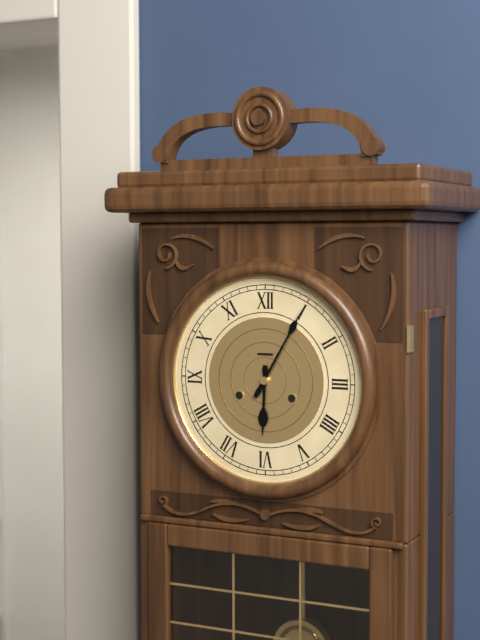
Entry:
6,05
